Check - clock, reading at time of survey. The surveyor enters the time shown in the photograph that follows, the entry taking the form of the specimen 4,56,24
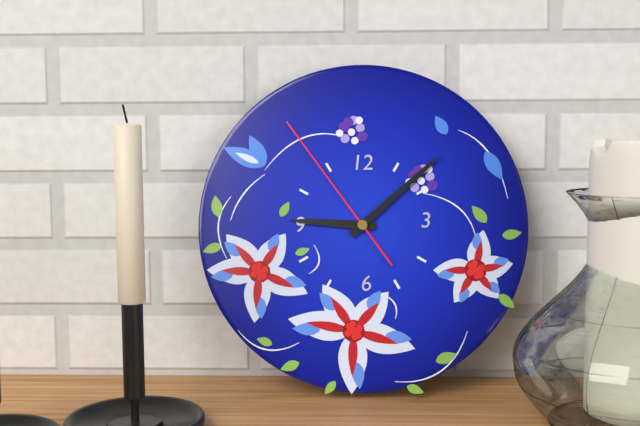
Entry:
9,08,54
